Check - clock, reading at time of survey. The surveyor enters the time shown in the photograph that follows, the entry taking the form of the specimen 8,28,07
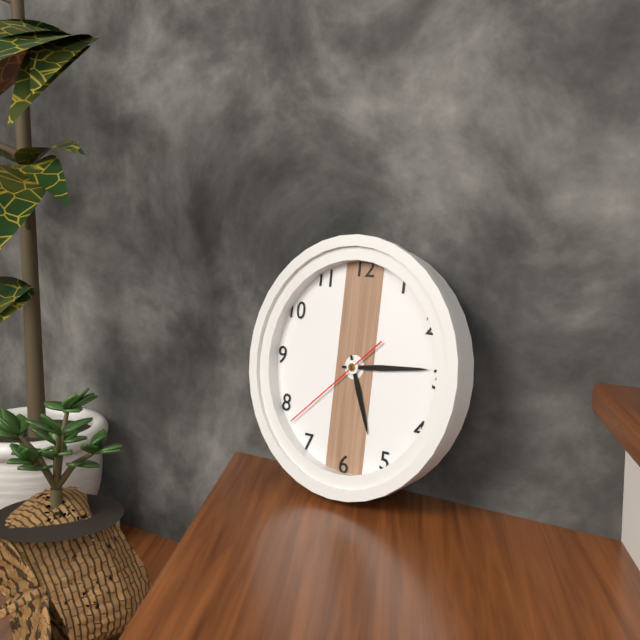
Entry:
5,14,38
